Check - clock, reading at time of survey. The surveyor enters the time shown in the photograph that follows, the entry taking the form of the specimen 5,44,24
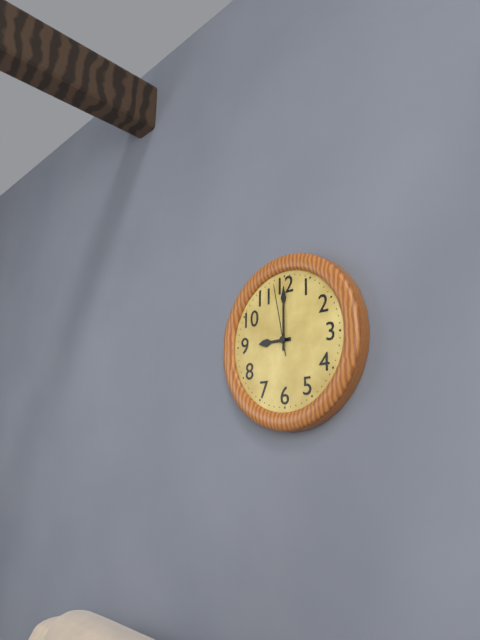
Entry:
9,00,58
